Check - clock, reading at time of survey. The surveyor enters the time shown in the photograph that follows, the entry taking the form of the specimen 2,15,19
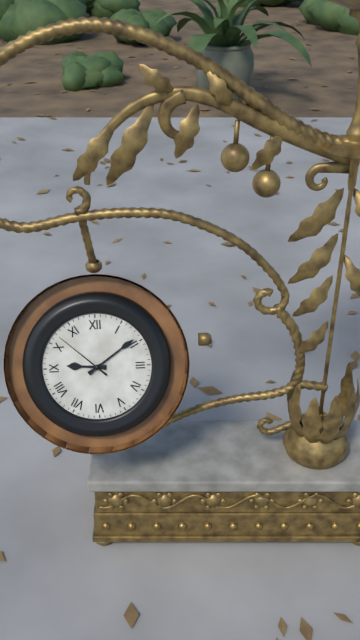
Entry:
9,09,52
